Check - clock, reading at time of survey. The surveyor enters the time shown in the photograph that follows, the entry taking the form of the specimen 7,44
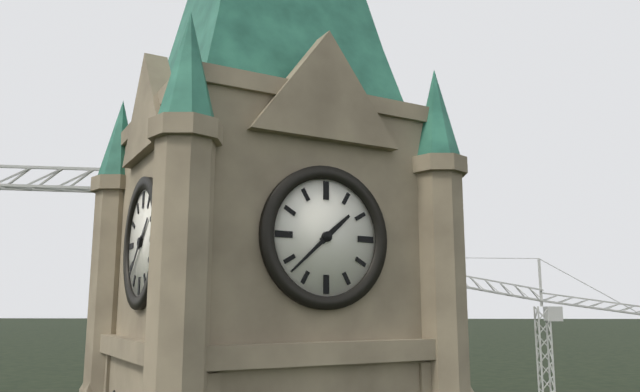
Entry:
1,38
